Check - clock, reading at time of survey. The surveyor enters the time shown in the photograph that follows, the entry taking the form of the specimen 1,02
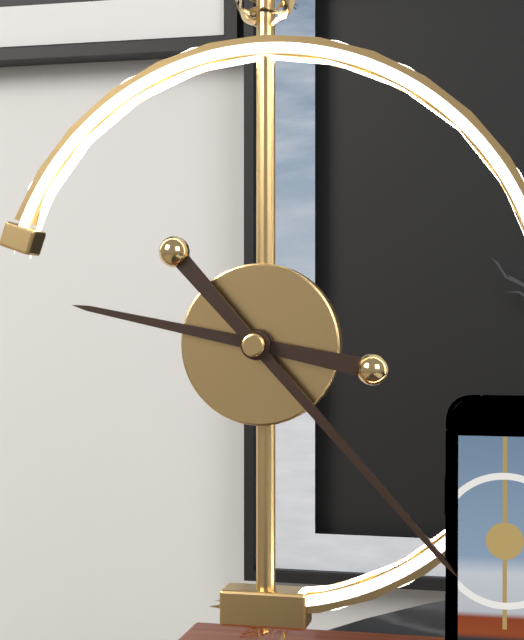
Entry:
9,23
